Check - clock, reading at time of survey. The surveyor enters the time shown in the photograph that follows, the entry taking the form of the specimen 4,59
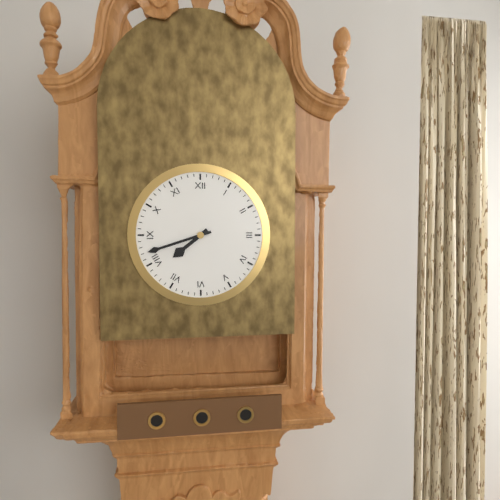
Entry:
7,42
